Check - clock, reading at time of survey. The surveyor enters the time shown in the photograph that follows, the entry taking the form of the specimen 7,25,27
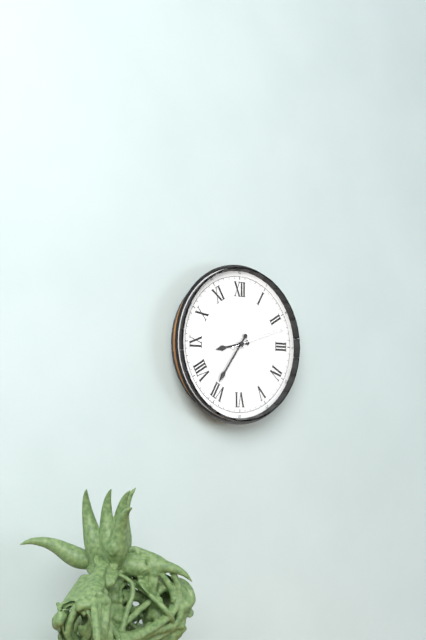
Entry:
8,36,12
